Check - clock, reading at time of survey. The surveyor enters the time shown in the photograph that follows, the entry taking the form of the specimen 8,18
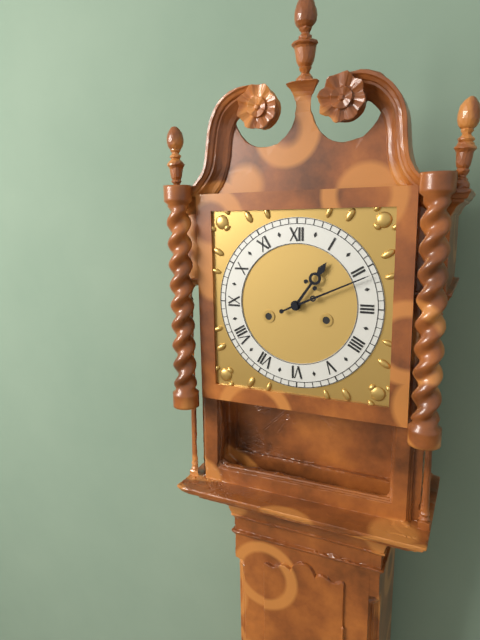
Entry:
1,11
